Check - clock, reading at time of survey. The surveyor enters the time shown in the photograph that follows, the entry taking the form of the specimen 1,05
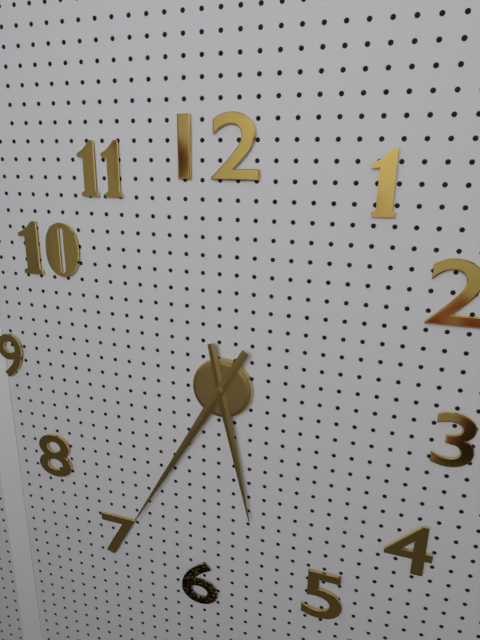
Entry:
5,35
